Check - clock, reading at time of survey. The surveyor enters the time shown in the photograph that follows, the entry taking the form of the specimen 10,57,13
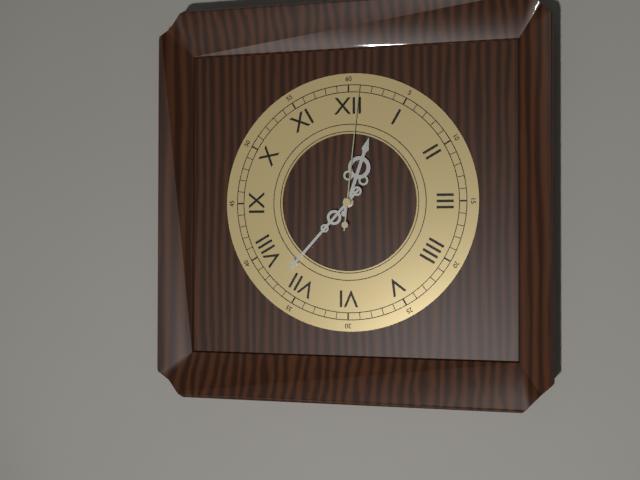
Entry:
12,37,01
